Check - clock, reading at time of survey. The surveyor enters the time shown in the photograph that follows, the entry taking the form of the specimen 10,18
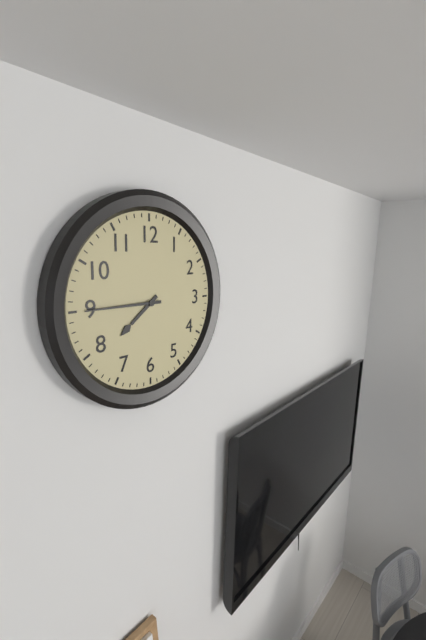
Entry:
7,45
